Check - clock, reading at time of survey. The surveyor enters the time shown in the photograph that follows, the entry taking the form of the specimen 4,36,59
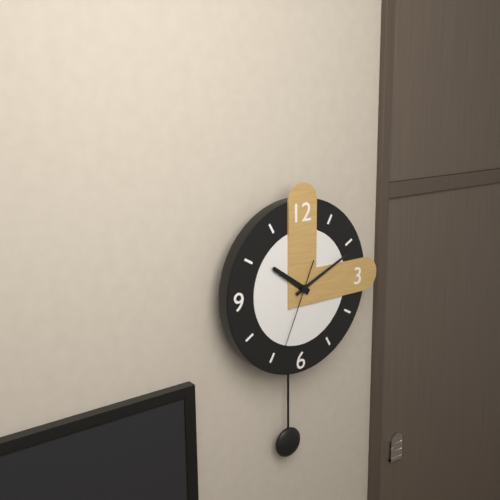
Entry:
10,11,34
